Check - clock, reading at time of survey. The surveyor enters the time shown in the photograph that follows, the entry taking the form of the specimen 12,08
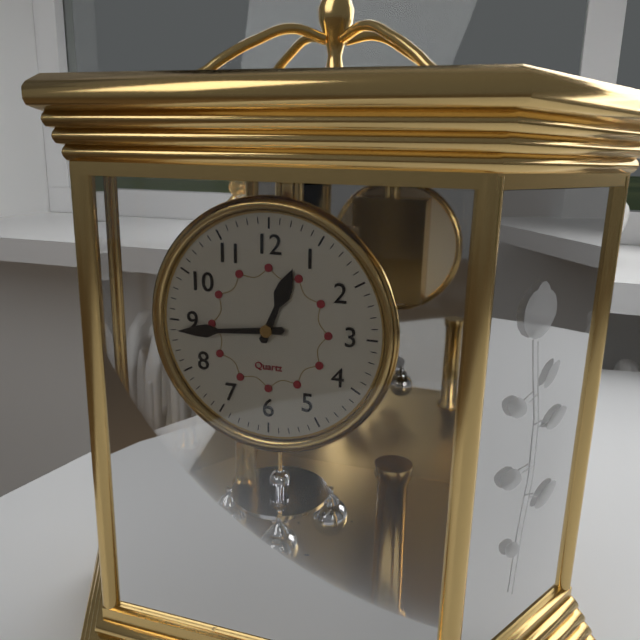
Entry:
12,44
